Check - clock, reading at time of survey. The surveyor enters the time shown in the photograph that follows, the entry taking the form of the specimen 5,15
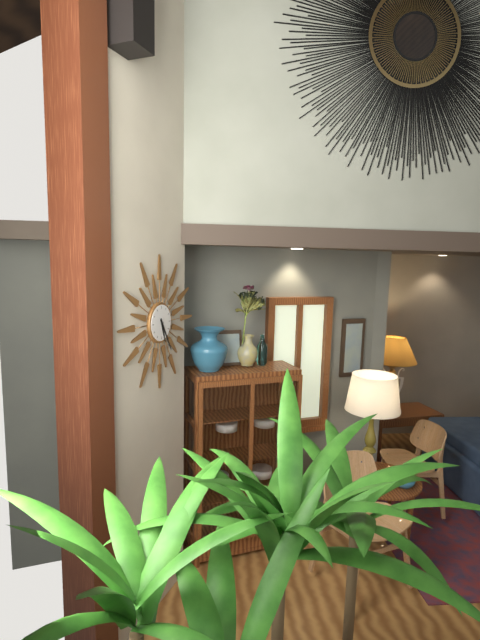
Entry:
5,25
